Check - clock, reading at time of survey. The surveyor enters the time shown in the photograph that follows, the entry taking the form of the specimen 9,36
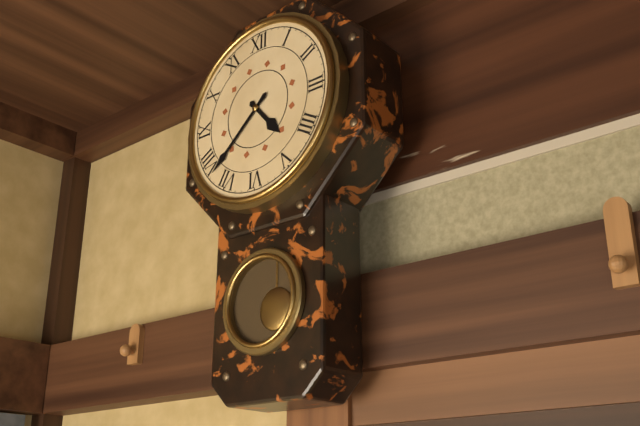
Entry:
4,38
